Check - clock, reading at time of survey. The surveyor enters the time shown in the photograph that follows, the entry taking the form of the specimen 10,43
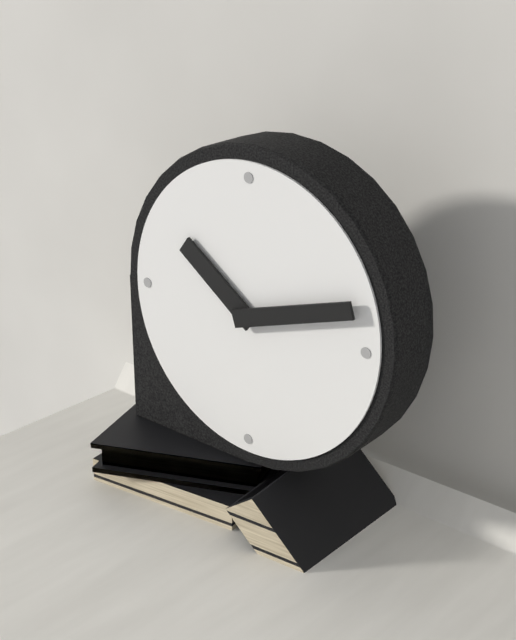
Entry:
10,12
